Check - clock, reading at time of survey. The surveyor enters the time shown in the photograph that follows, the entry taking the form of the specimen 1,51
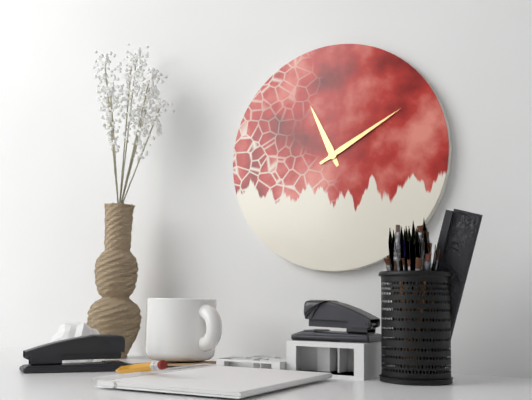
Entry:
11,10
